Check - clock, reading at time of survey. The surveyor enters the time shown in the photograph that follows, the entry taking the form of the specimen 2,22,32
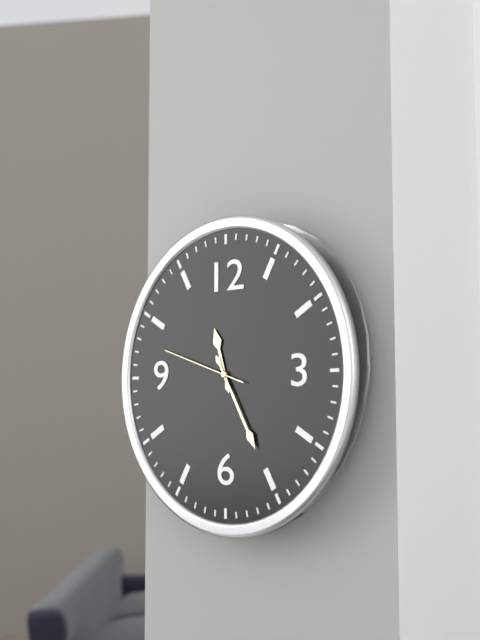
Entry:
11,25,48
